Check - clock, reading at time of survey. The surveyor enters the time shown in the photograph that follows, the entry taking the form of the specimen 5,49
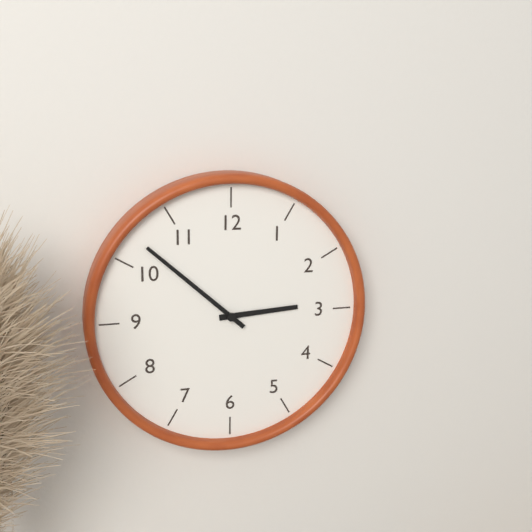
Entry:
2,52
